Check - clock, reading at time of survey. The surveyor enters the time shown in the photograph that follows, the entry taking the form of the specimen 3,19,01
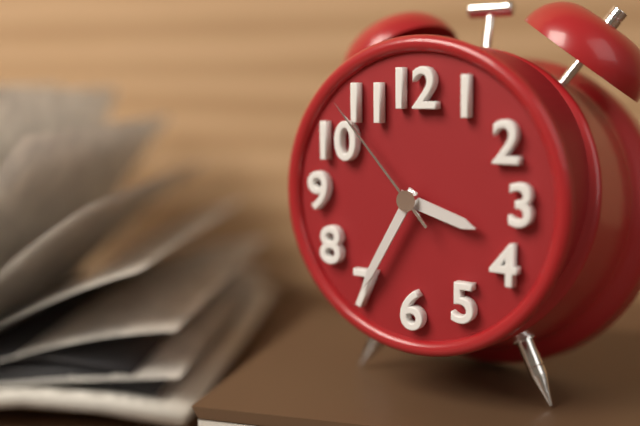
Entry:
3,35,53
